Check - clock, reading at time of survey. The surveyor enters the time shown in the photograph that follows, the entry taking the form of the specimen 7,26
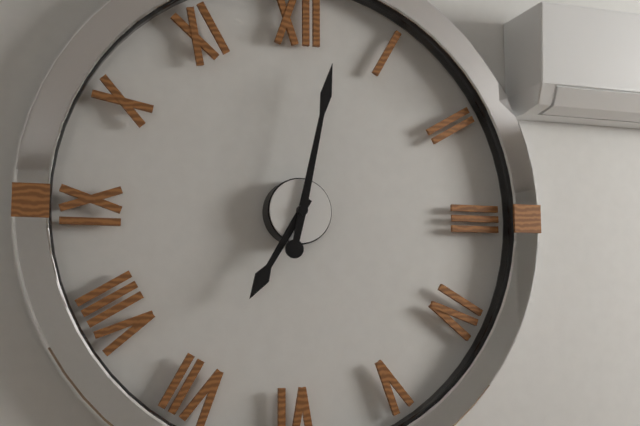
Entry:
7,02
